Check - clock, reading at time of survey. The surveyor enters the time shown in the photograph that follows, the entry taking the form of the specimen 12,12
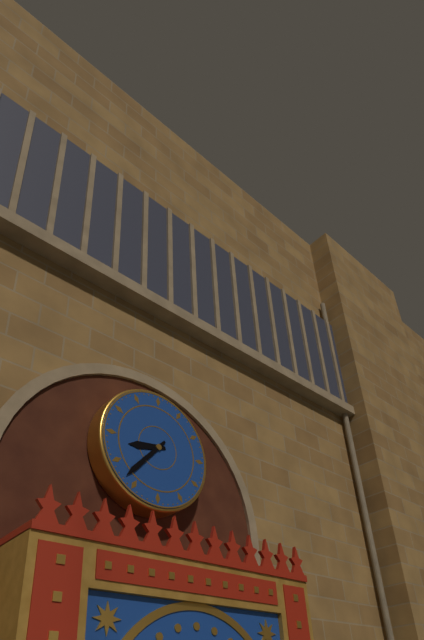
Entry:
8,37
